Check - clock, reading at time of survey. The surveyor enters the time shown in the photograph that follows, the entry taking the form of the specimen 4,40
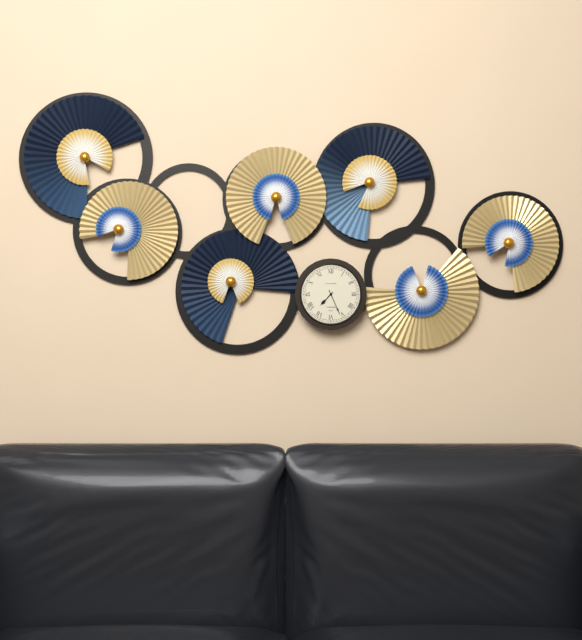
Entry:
7,26
